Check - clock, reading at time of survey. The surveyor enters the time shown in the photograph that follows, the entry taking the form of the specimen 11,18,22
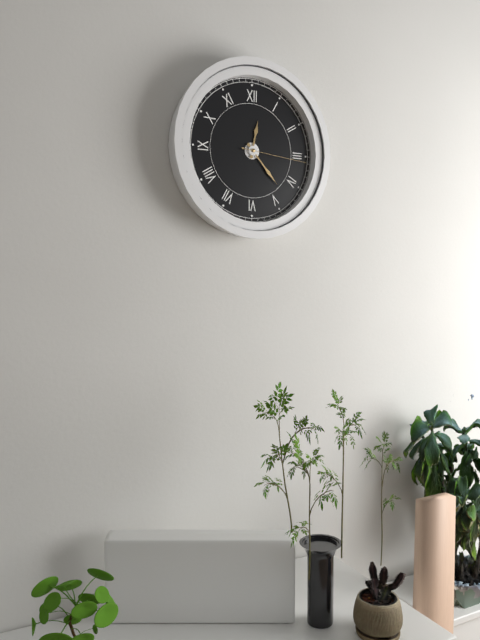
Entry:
12,23,16
